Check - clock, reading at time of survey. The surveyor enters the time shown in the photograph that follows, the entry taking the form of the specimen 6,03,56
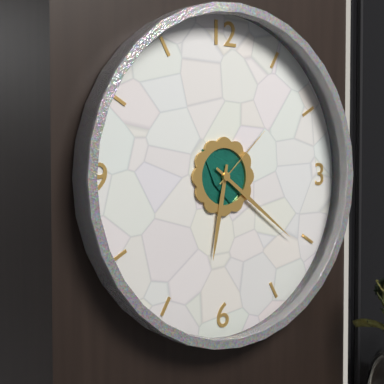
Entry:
6,21,08
